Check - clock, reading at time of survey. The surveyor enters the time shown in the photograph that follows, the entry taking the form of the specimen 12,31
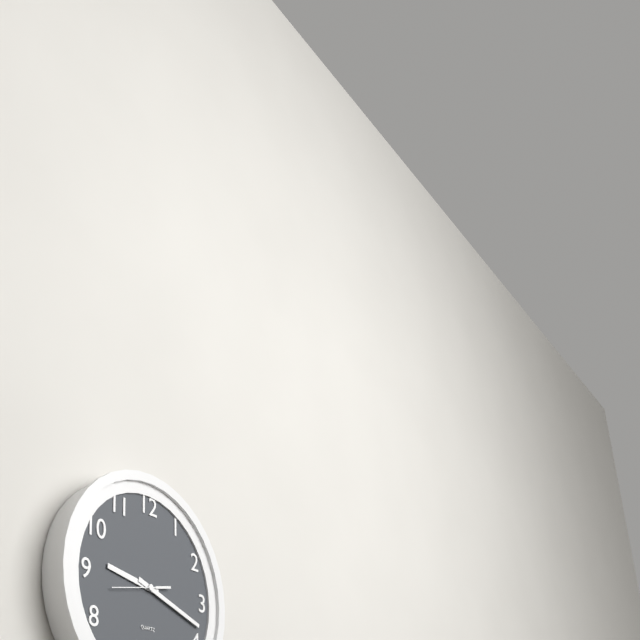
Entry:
9,18
